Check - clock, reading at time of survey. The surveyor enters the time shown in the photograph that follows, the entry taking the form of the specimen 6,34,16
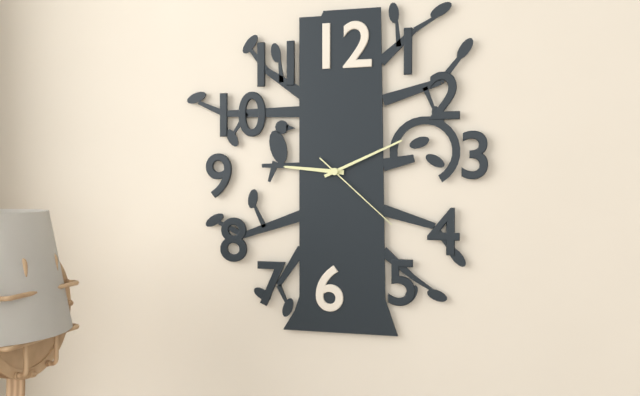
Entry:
9,11,22
